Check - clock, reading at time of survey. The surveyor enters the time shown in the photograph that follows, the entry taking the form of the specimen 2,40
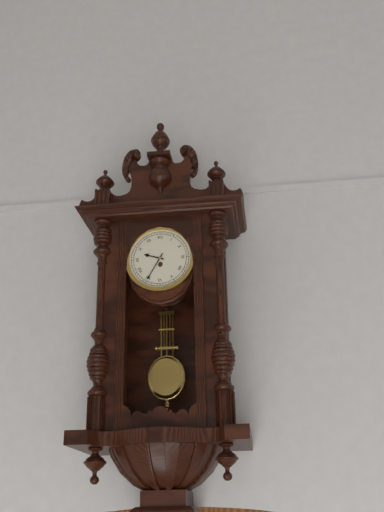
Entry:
9,35
